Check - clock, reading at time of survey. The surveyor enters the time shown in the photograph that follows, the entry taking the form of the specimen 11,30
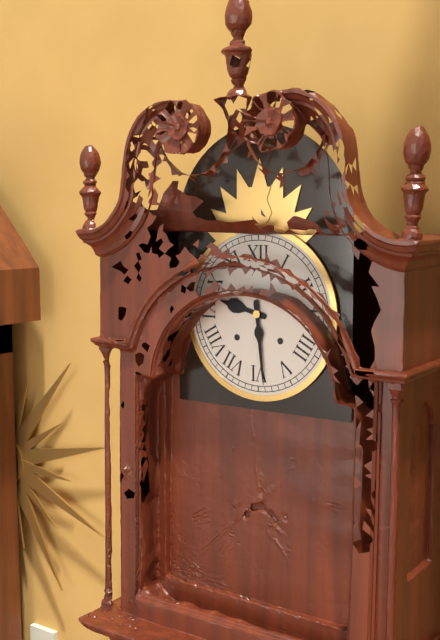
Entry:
9,29
